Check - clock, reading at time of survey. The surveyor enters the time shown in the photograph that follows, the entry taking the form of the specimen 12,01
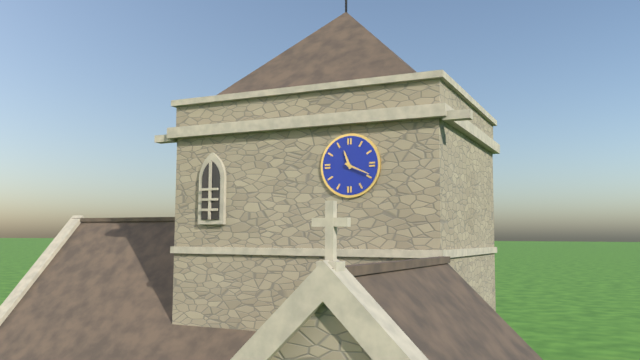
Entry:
11,19
